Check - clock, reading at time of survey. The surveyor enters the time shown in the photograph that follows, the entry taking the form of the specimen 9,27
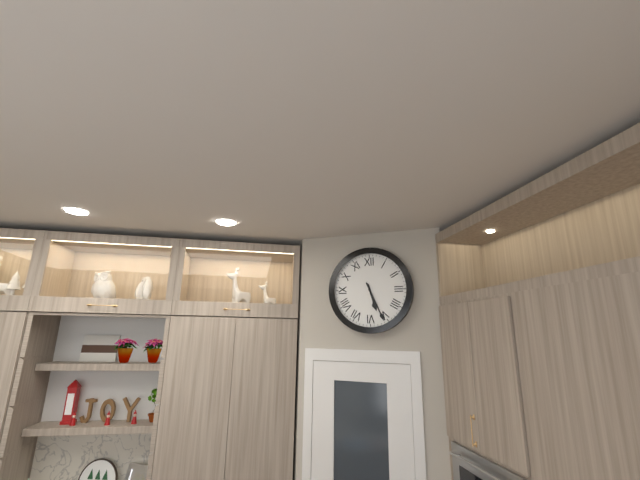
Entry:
5,26
